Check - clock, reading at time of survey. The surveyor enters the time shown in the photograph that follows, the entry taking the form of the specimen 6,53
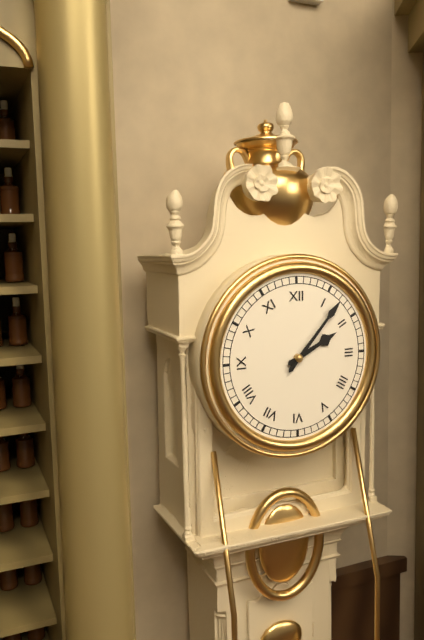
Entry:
2,07
